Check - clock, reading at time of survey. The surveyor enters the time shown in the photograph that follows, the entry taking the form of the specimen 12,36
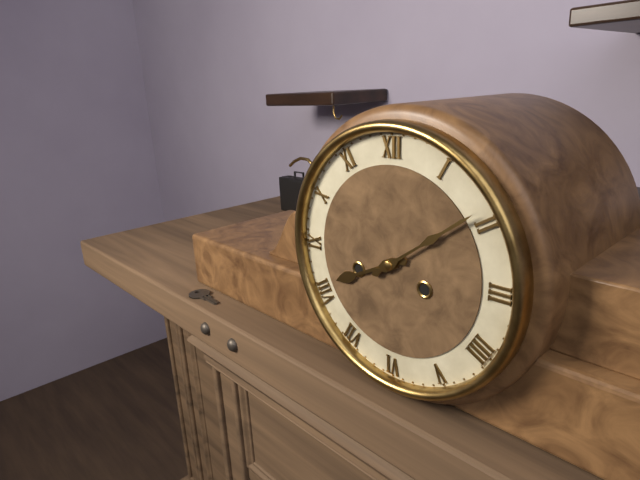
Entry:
8,09
